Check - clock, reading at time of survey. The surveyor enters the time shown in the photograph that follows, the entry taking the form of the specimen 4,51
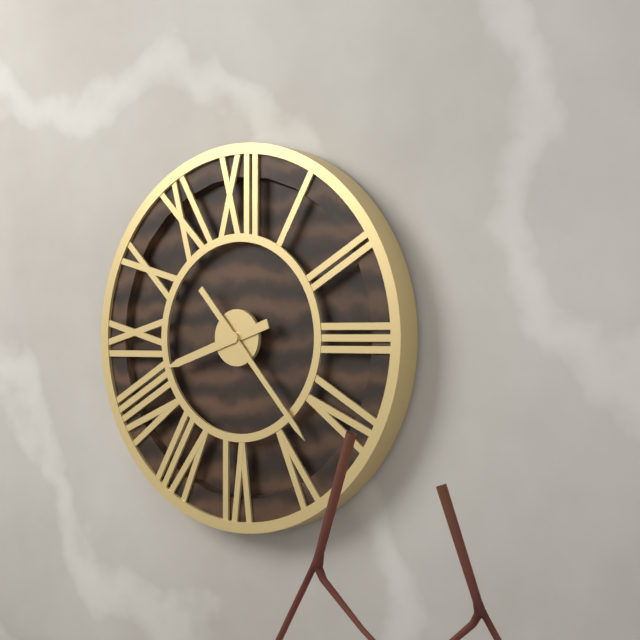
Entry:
8,23
